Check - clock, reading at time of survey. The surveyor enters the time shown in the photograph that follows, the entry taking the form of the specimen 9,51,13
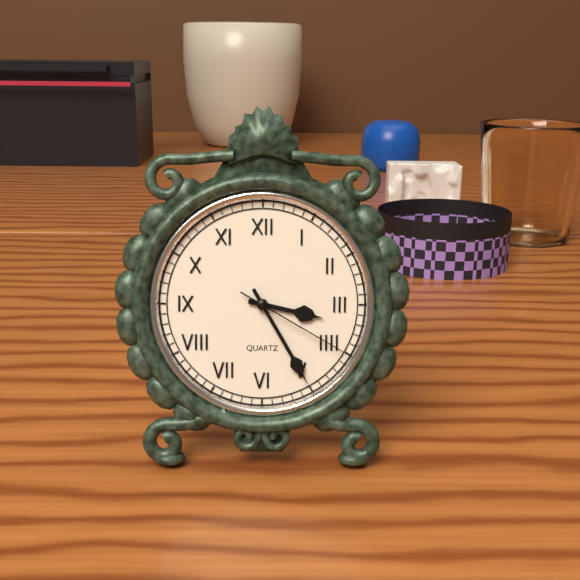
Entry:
3,25,20
